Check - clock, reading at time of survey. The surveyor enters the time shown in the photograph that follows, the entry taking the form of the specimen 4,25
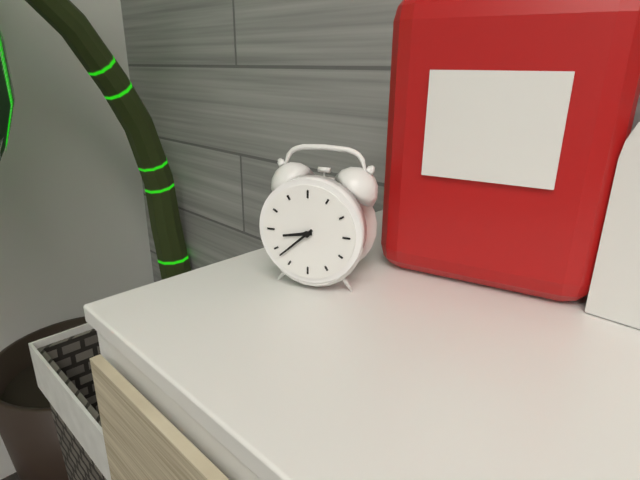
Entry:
8,38
